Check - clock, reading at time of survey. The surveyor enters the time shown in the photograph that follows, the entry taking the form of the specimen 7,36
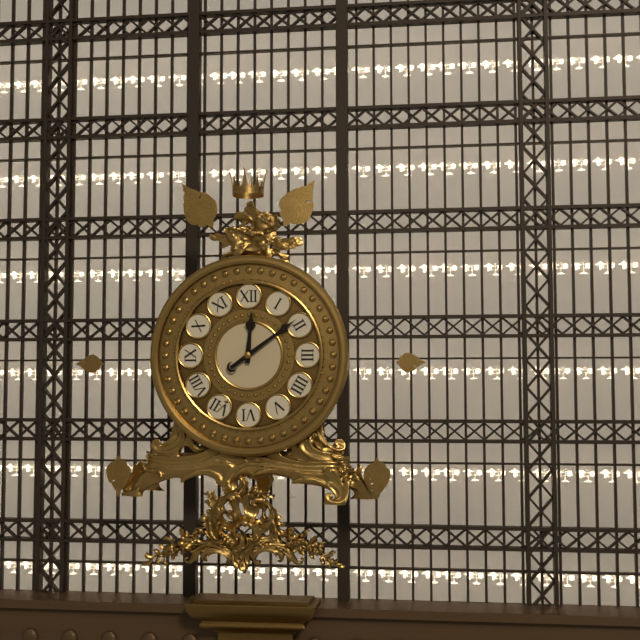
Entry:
12,09
